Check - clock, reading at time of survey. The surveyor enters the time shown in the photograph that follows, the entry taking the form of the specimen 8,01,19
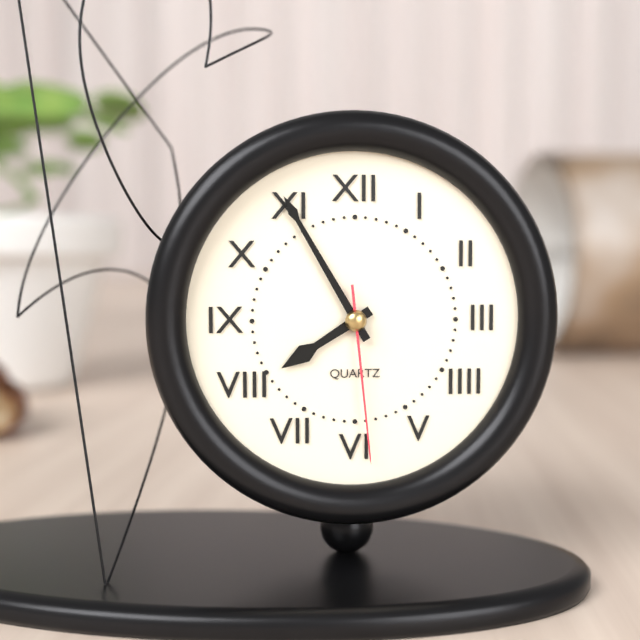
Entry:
7,55,29
